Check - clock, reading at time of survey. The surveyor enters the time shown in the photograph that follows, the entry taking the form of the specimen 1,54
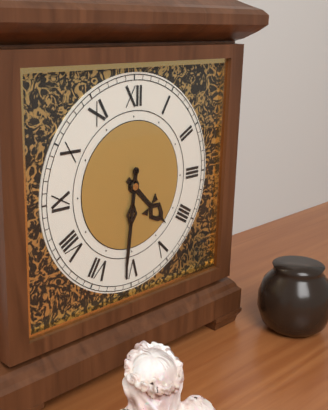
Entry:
4,31
